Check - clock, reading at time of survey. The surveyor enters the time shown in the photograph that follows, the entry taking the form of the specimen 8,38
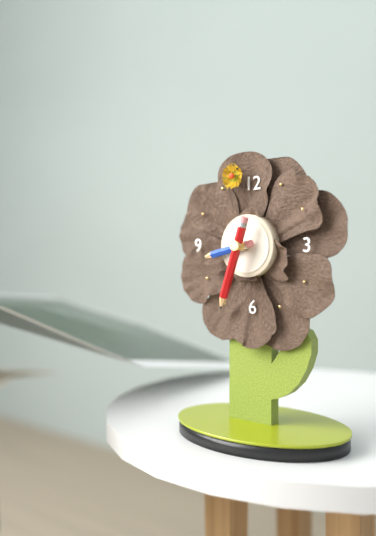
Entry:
8,33
